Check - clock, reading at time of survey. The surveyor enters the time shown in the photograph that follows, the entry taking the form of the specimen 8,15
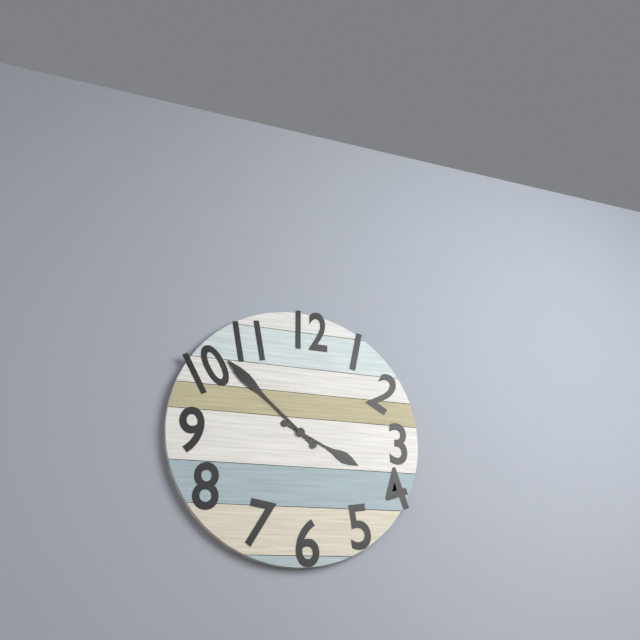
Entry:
3,52
